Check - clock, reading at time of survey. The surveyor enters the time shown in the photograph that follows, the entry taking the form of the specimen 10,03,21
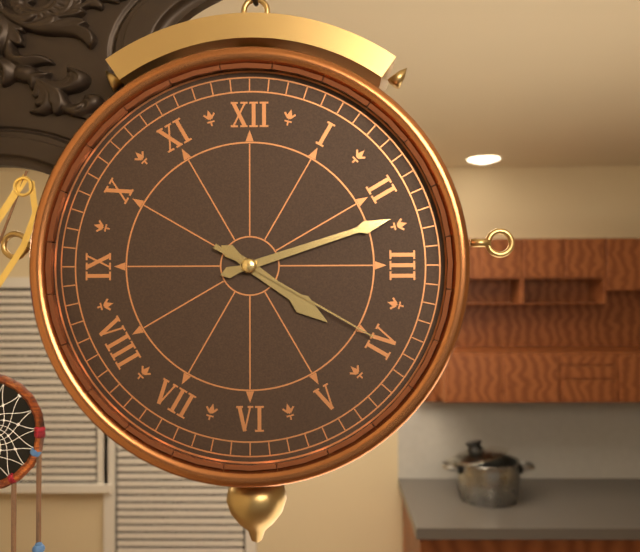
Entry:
4,12,20
